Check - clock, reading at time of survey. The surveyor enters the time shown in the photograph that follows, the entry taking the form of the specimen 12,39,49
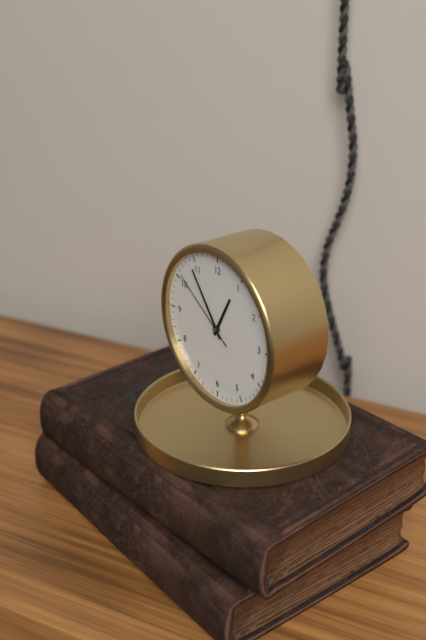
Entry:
12,54,51
